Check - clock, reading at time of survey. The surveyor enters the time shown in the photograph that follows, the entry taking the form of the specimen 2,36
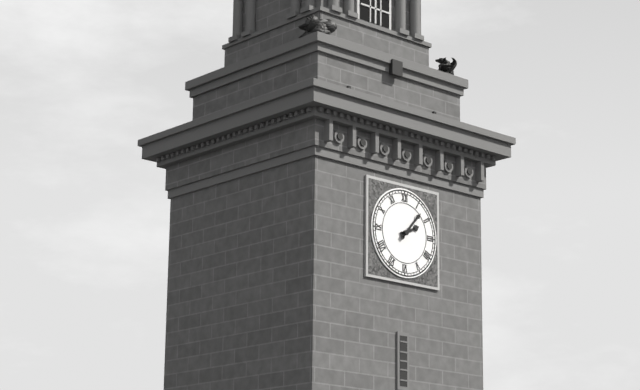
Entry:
2,07
